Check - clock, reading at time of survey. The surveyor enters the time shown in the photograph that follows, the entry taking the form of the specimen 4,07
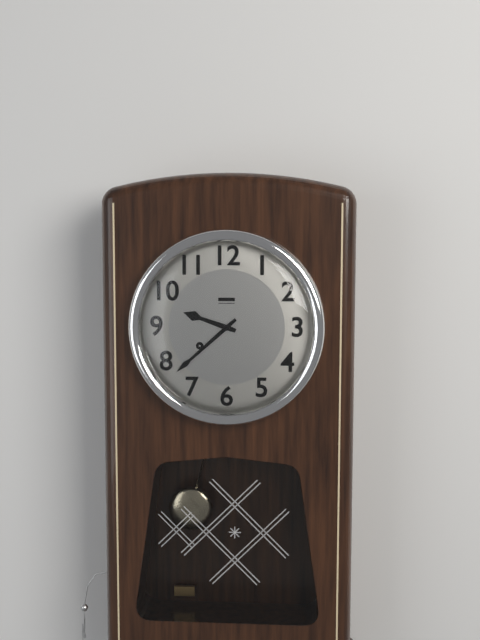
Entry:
9,38
